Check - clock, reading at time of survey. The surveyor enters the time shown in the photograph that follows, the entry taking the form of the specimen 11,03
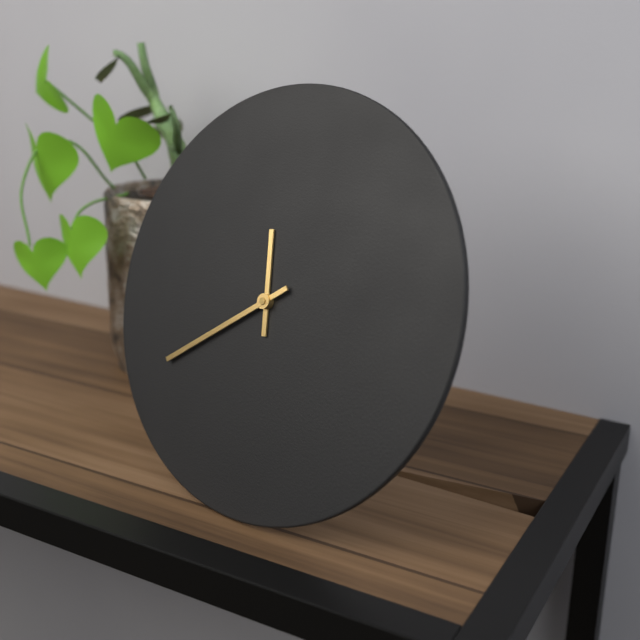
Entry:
11,39
